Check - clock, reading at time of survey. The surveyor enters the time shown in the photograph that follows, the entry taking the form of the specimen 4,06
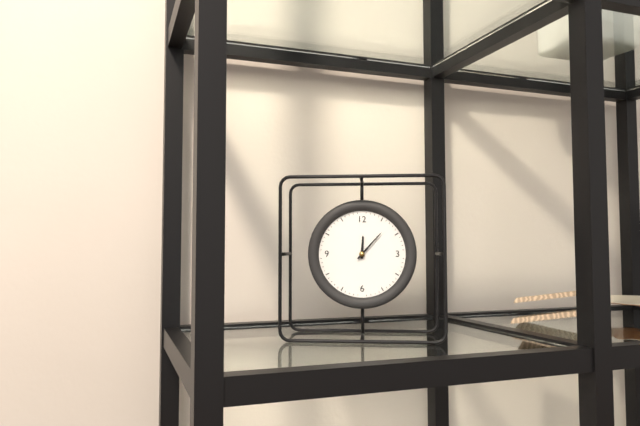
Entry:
12,07
